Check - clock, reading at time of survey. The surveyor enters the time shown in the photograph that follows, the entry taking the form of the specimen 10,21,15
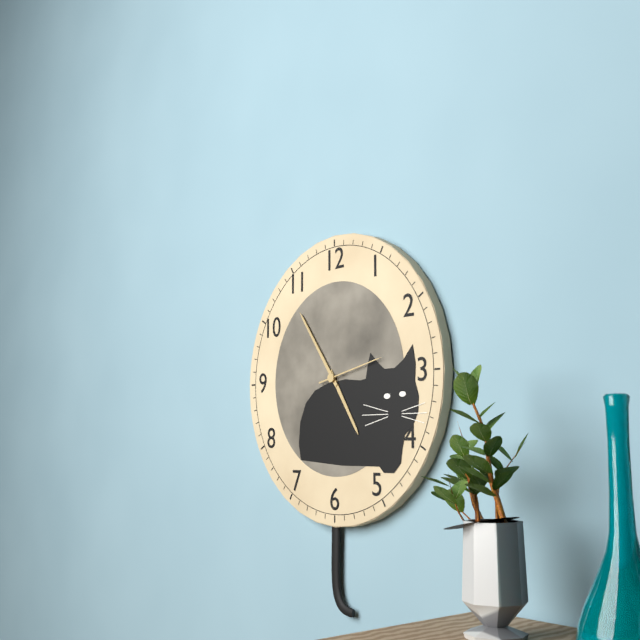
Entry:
4,54,13
